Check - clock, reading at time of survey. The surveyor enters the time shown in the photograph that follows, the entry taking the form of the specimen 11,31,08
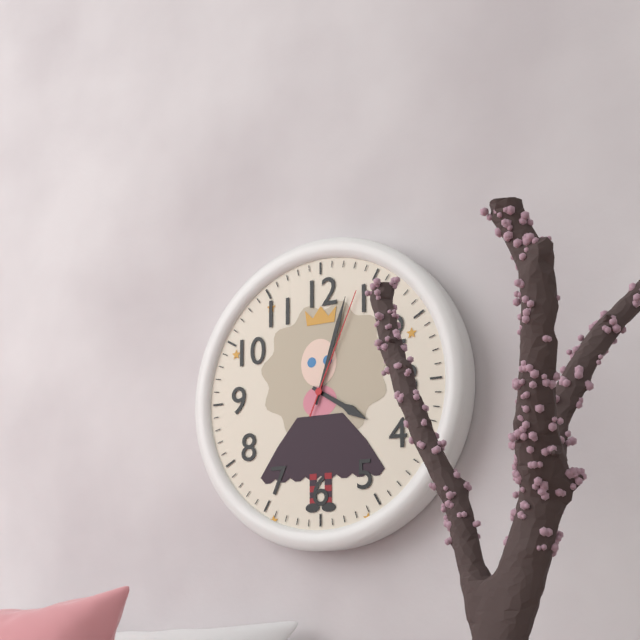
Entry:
4,03,04
